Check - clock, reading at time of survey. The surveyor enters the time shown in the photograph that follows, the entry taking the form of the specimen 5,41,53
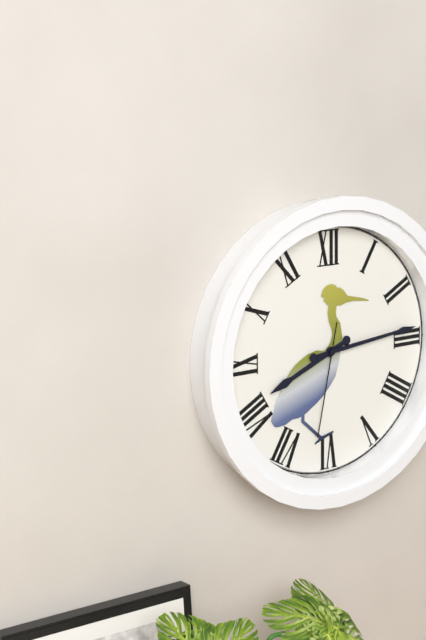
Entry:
8,14,32
